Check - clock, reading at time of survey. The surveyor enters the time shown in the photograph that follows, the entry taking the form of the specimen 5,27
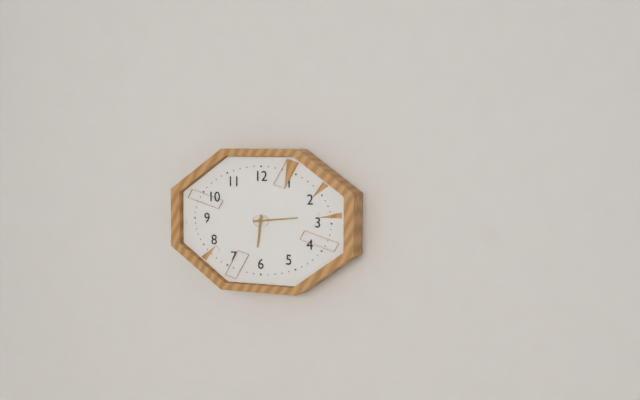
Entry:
6,14
